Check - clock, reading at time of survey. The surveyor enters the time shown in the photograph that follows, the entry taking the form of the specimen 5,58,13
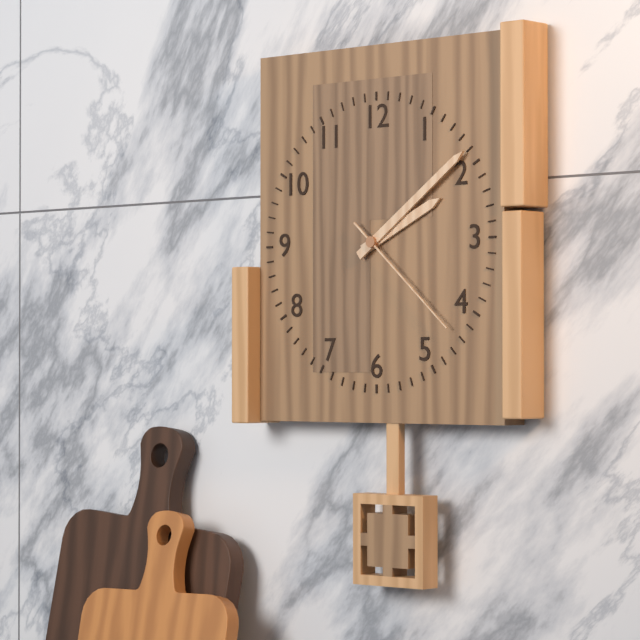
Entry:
2,09,22
